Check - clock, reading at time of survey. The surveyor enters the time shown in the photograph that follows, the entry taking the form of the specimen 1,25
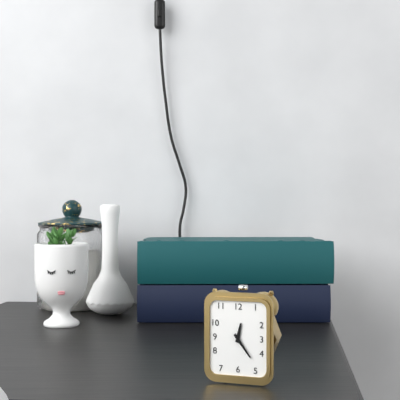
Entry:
12,24
